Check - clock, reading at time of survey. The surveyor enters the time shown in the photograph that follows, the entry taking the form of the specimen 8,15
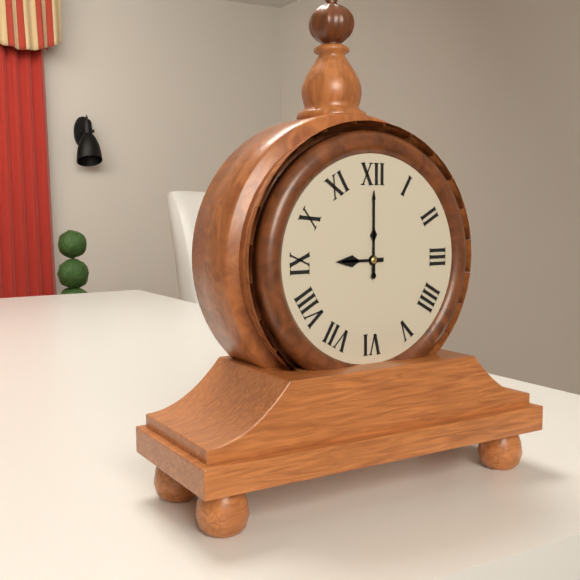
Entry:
9,00
